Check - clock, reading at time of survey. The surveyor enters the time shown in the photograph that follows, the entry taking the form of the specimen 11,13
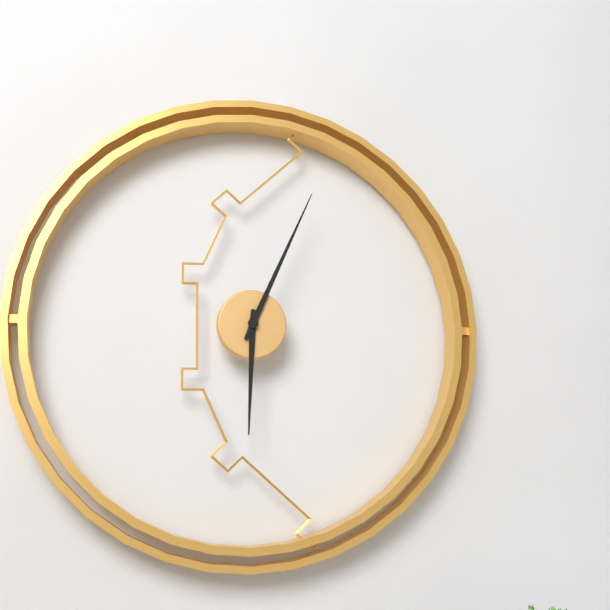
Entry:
6,04
